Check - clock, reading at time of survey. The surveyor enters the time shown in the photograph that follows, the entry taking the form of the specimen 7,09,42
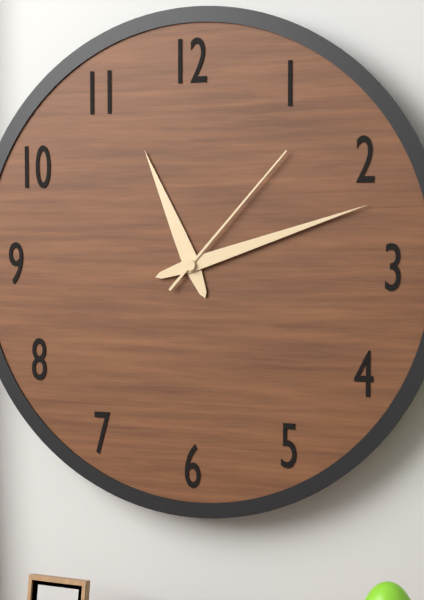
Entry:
11,12,07
